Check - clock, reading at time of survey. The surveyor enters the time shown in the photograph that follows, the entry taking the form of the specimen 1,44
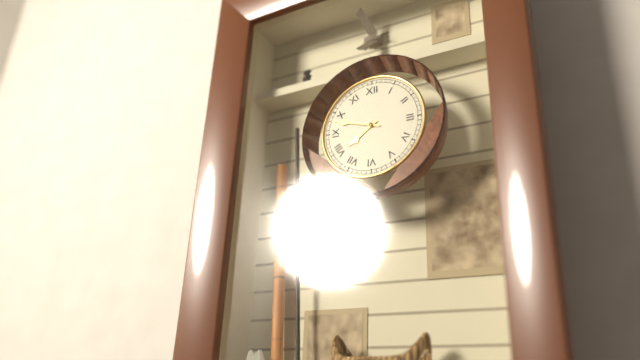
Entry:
7,48
